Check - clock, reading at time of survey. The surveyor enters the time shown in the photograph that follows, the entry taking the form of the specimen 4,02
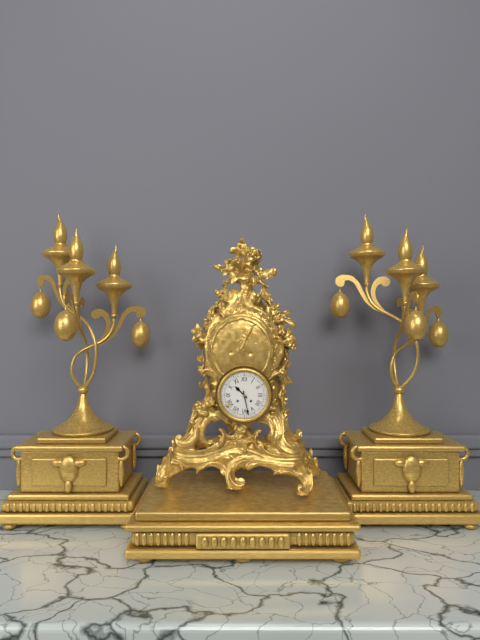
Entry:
10,28
